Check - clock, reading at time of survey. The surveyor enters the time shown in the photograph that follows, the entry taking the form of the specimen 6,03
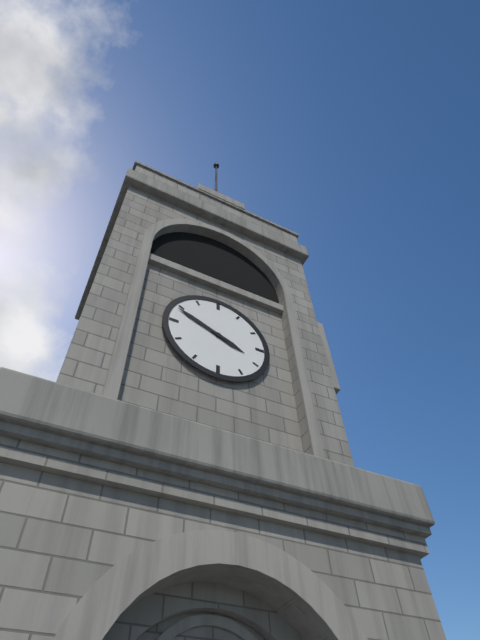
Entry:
3,49
